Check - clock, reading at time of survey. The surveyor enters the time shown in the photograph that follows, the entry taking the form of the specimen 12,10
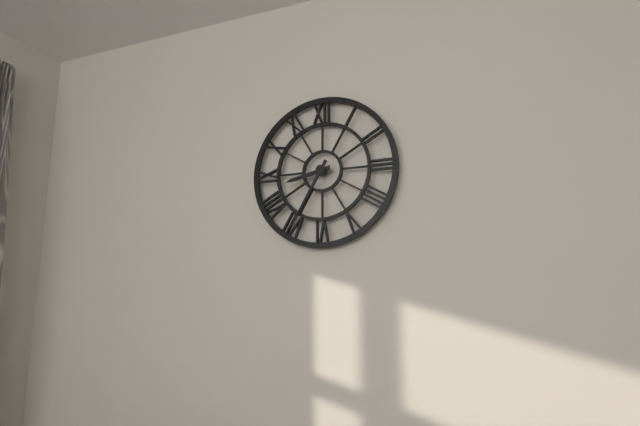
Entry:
8,35
